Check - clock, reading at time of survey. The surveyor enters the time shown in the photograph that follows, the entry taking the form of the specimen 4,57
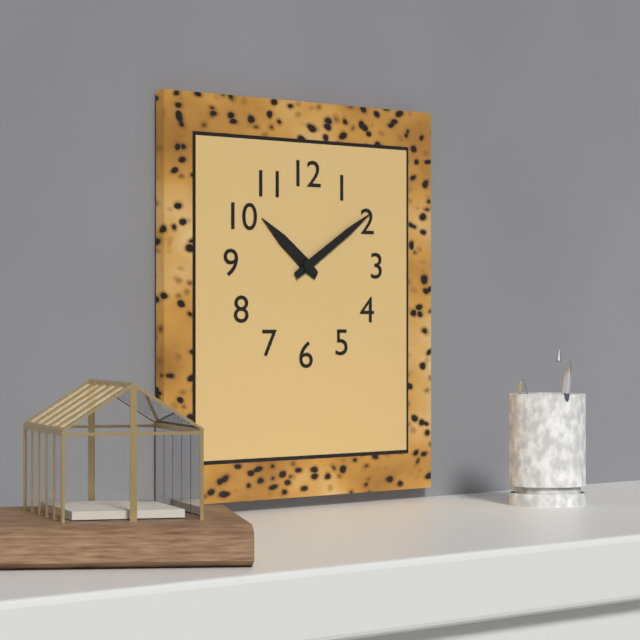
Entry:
10,10
